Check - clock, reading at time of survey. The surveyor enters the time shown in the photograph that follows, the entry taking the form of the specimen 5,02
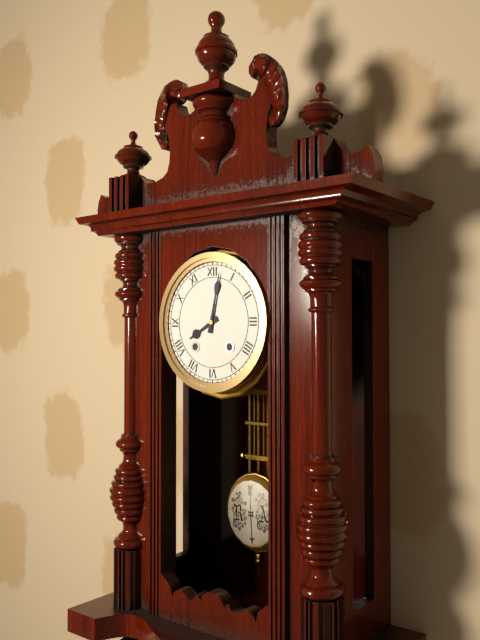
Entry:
8,02
